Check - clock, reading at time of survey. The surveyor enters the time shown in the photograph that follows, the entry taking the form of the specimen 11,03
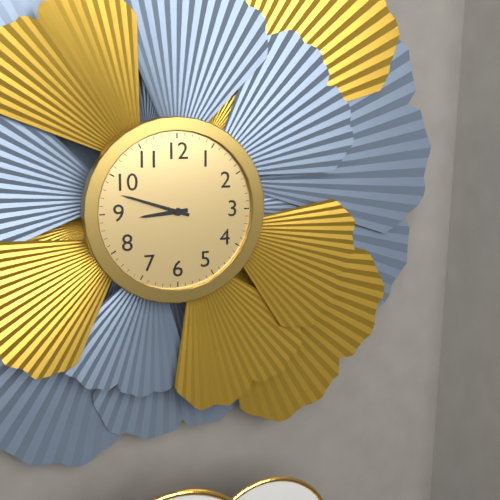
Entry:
8,48
